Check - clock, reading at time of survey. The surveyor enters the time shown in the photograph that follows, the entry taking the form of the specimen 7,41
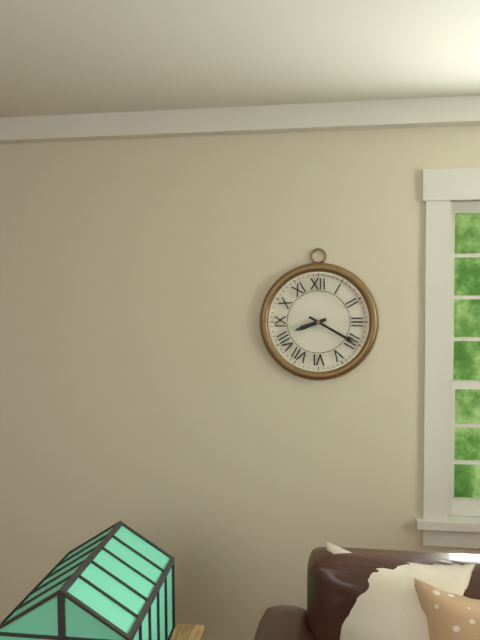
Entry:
8,20
